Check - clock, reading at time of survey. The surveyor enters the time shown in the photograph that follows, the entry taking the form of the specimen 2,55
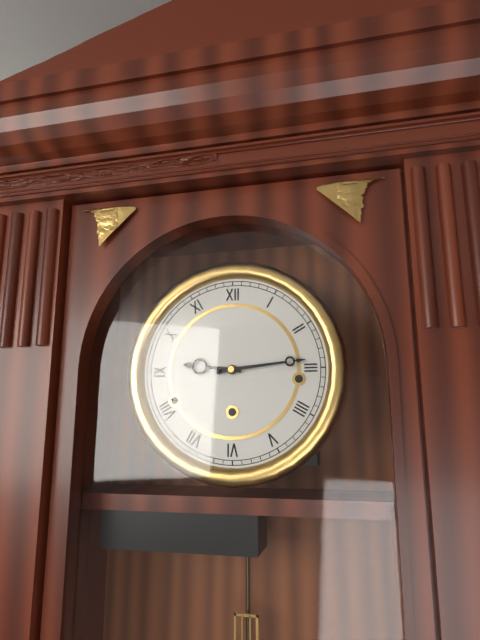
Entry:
9,14
